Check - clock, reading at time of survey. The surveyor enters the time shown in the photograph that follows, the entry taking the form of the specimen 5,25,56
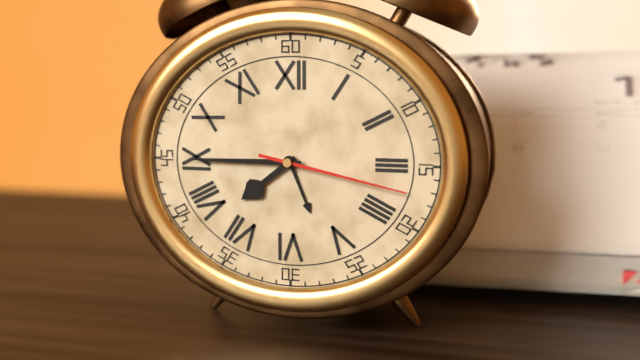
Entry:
7,45,17
